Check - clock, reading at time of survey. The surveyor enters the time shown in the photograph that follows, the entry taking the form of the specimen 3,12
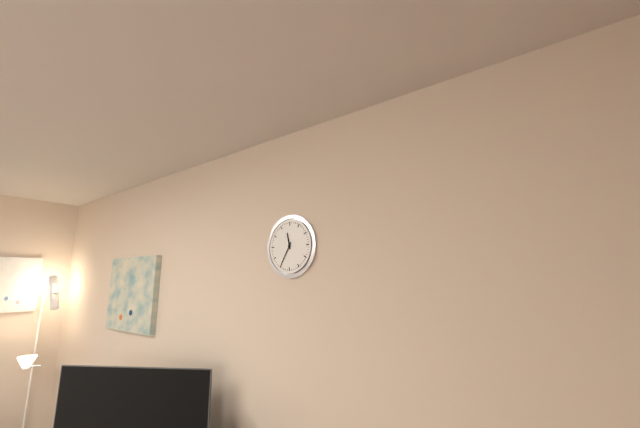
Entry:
11,35
